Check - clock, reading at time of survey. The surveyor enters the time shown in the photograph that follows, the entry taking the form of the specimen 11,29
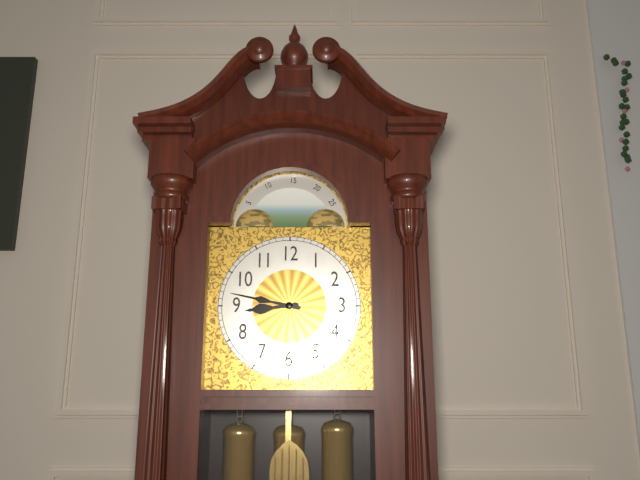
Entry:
8,47
